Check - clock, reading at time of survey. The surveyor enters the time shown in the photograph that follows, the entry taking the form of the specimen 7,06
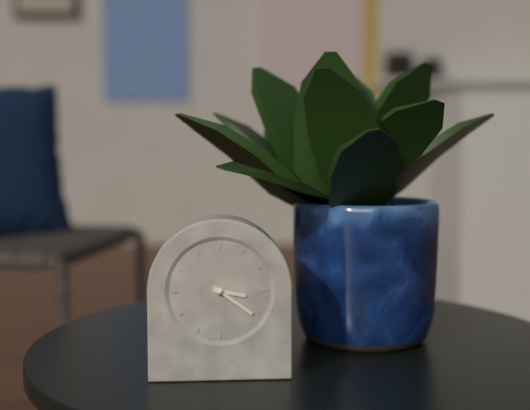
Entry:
3,21
